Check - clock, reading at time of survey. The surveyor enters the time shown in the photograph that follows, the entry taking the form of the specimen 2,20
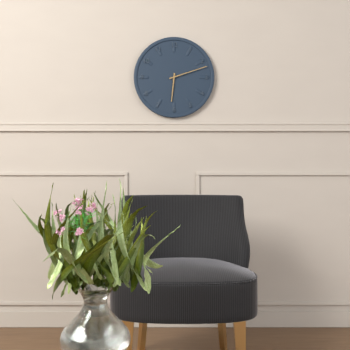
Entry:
6,12
